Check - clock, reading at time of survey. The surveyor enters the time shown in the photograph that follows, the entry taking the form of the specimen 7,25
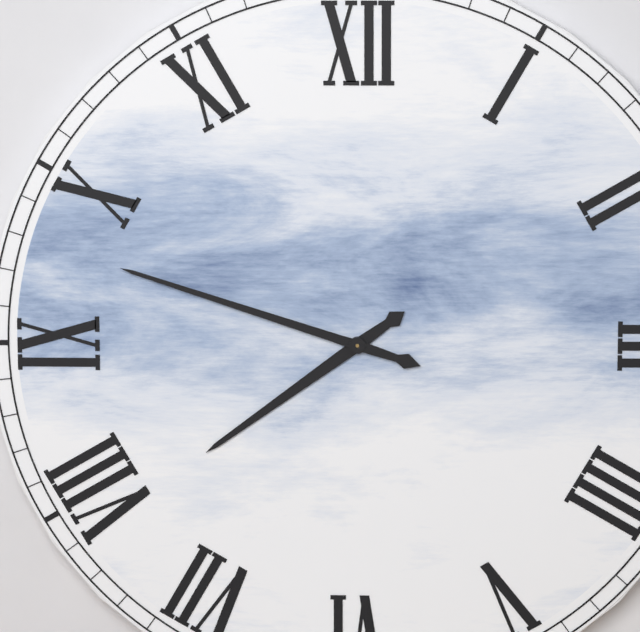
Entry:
7,48
